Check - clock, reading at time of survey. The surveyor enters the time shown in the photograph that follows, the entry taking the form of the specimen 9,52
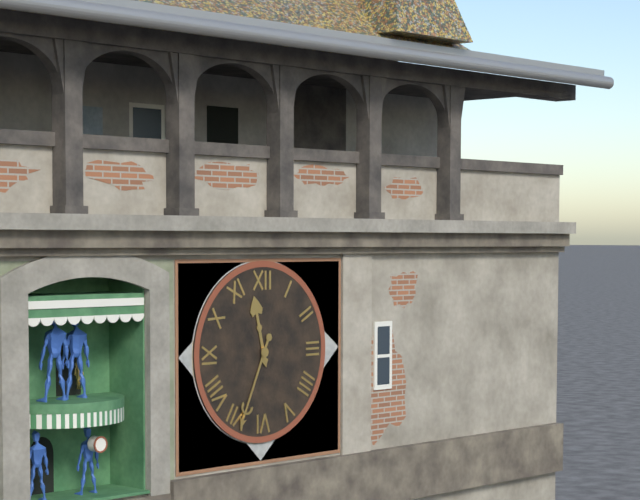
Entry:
11,34
